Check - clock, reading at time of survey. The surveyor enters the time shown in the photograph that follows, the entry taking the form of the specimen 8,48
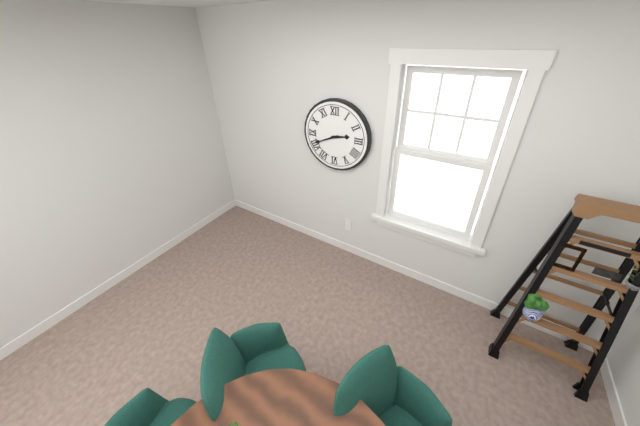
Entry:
2,41
